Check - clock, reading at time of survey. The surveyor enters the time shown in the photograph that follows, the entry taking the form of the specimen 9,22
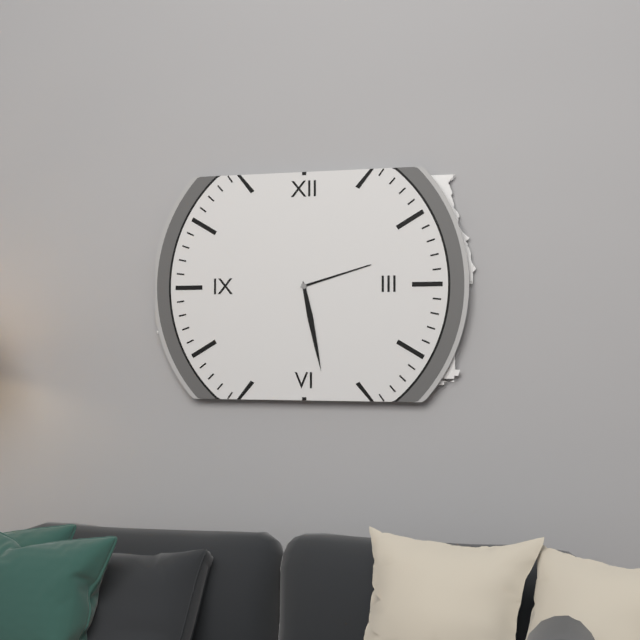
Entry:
2,28
